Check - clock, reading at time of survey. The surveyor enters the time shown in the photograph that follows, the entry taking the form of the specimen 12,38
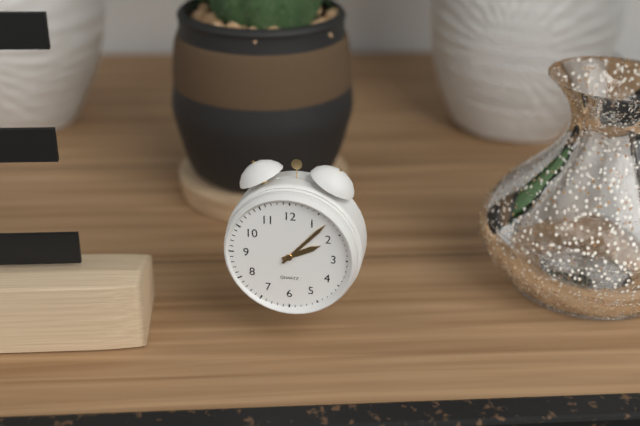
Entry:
2,07
